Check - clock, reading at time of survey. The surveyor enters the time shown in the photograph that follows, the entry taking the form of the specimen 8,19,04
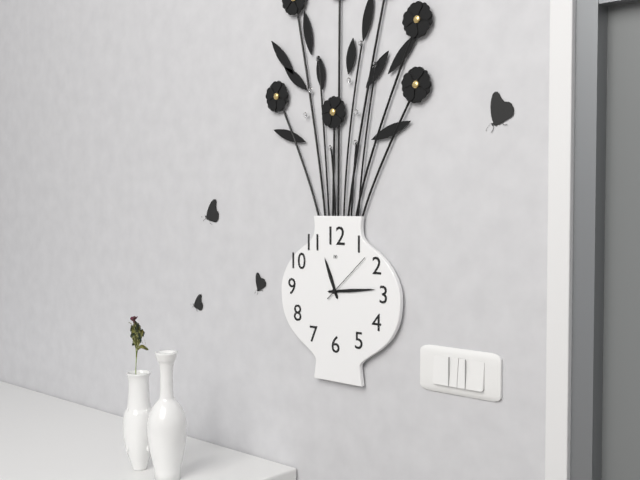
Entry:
11,14,08
